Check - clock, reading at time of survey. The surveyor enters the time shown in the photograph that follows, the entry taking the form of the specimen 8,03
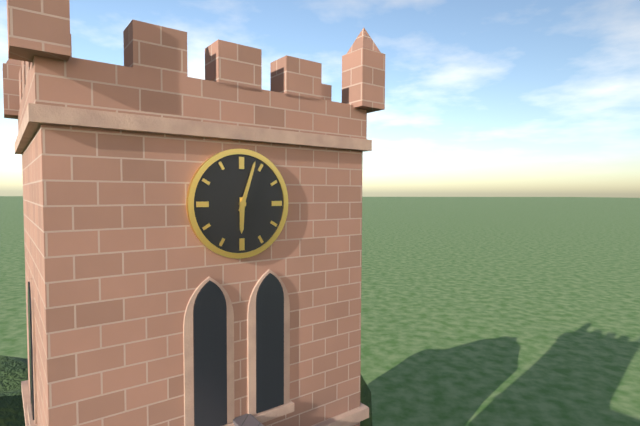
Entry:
6,03
